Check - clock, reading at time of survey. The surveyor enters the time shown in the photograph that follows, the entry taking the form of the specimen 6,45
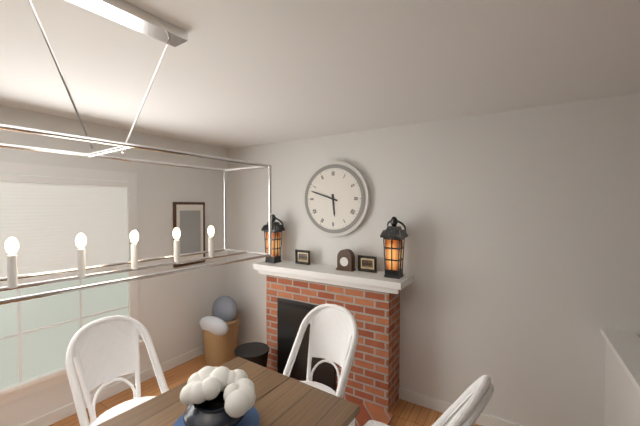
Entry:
5,48
